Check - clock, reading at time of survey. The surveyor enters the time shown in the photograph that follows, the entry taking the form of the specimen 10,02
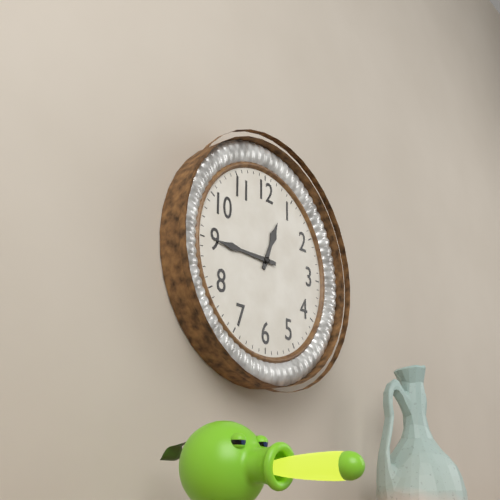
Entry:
12,45
